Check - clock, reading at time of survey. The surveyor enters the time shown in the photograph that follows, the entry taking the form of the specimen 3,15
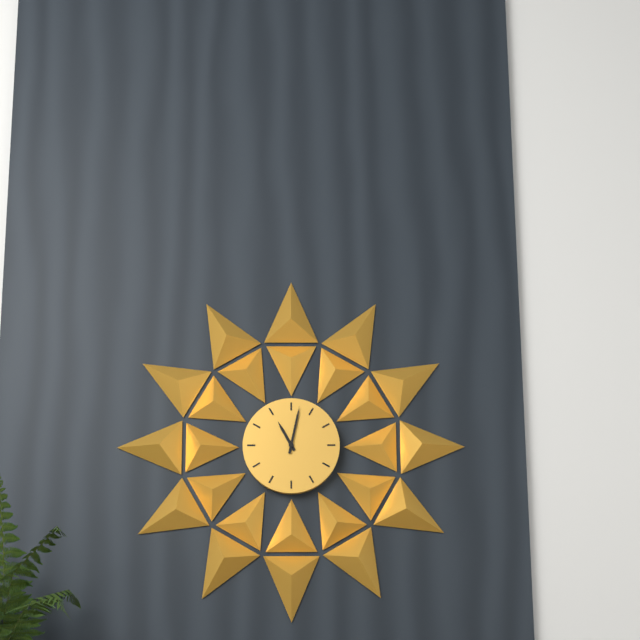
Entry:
11,02
